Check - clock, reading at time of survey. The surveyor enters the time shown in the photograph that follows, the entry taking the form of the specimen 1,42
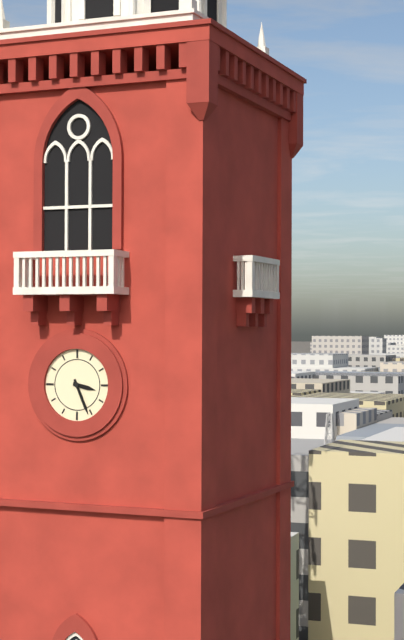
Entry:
3,26
